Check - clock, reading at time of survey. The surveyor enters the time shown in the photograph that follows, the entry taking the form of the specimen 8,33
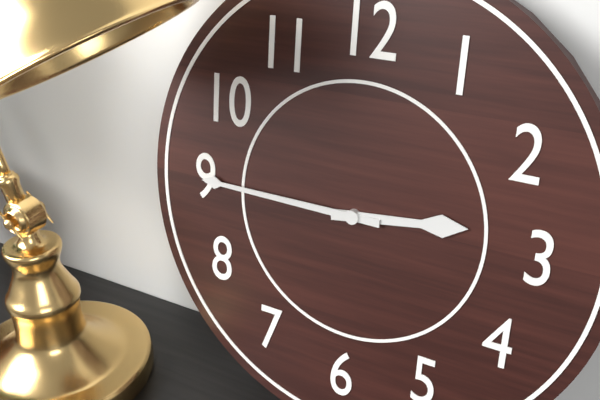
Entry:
2,45
